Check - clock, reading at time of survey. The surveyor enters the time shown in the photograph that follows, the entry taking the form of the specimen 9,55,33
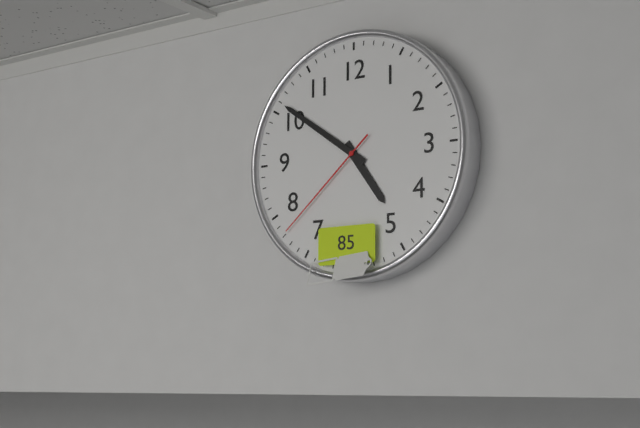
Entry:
4,51,38
